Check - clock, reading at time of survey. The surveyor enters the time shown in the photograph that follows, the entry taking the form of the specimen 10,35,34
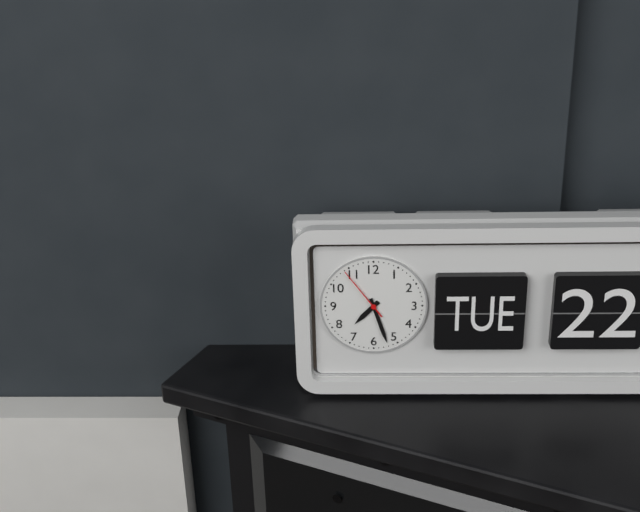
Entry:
7,27,54
